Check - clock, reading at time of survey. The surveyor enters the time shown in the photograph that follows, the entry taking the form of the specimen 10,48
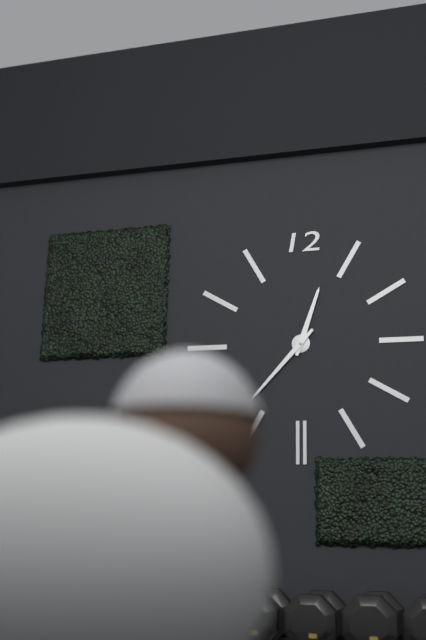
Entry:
12,37
